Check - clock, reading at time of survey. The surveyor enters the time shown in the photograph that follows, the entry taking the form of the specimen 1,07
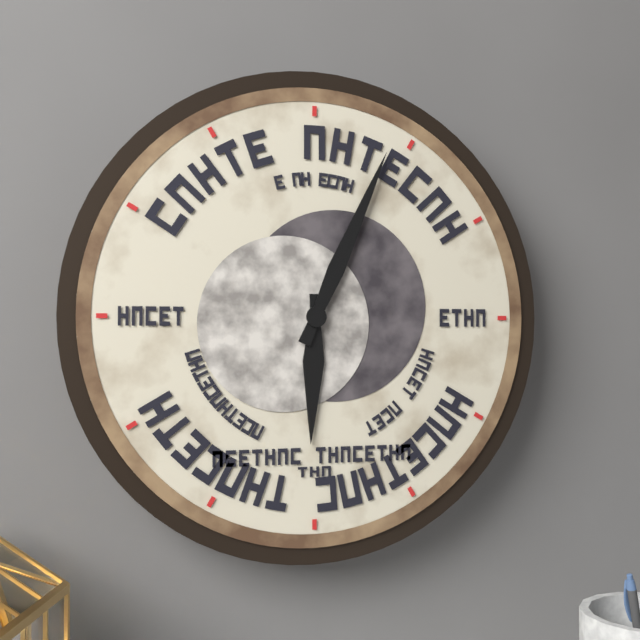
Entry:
6,04
